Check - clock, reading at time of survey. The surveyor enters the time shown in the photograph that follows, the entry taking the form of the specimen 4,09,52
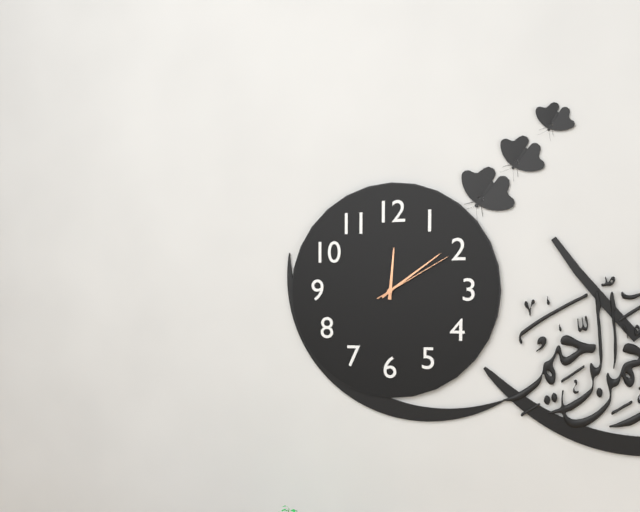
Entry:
12,09,10
